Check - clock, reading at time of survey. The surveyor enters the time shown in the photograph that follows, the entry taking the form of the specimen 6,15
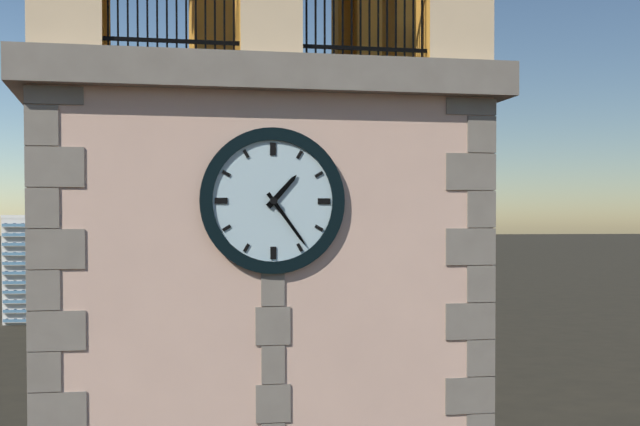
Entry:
1,24
